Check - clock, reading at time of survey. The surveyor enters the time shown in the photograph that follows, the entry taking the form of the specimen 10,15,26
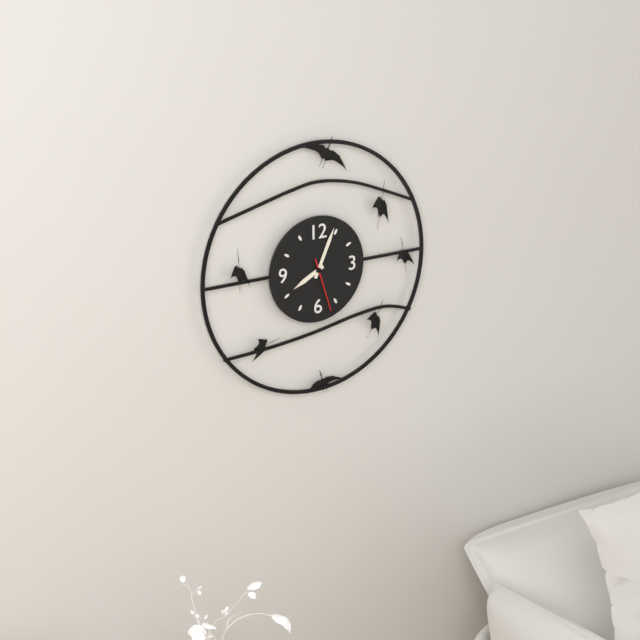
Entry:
8,04,27
